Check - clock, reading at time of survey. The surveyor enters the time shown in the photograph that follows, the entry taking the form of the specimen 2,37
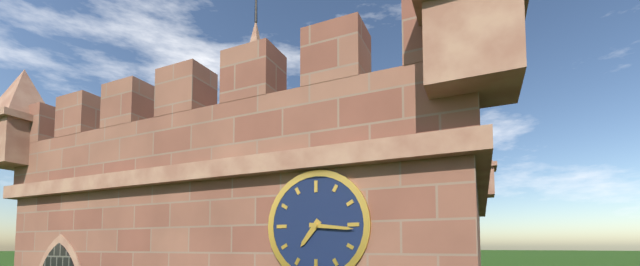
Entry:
7,16
